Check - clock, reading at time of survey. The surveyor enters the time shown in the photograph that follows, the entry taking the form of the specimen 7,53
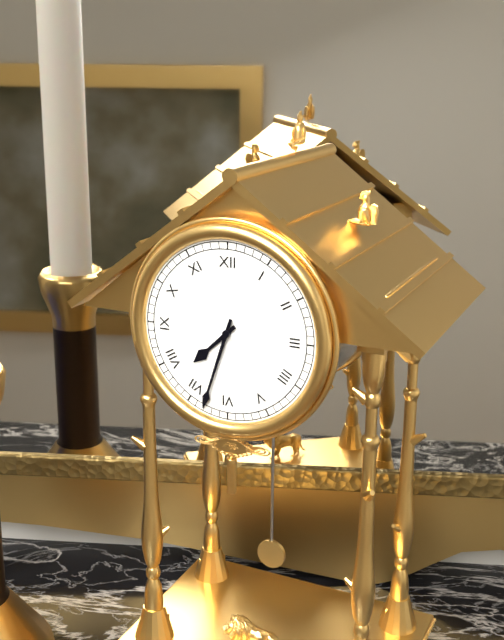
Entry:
7,33
